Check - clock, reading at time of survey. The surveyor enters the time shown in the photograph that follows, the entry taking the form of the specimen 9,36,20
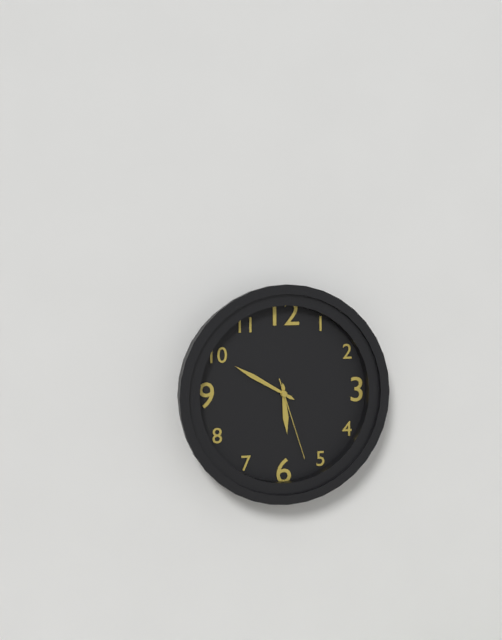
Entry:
5,50,27
